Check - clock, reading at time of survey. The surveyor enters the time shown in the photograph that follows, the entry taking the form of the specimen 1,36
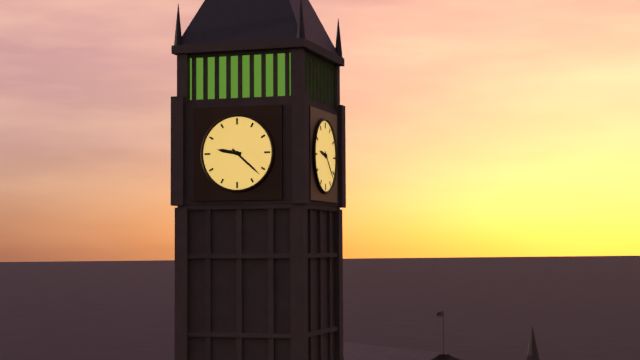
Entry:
9,22
